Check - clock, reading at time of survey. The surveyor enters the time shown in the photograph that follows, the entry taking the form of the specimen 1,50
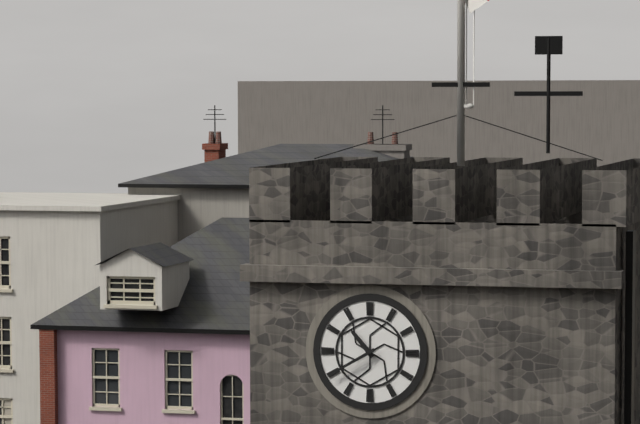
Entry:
10,40
